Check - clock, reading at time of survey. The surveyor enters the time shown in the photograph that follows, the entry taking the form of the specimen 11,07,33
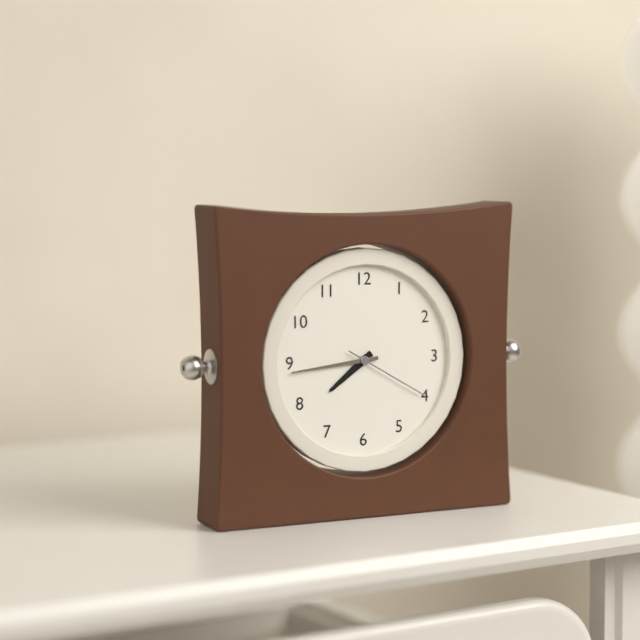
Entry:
7,44,20
